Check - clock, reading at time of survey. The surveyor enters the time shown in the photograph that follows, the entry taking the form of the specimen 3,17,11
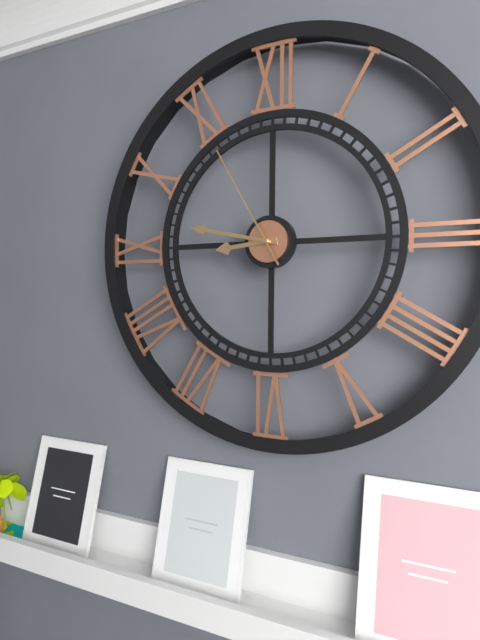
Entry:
8,47,55
